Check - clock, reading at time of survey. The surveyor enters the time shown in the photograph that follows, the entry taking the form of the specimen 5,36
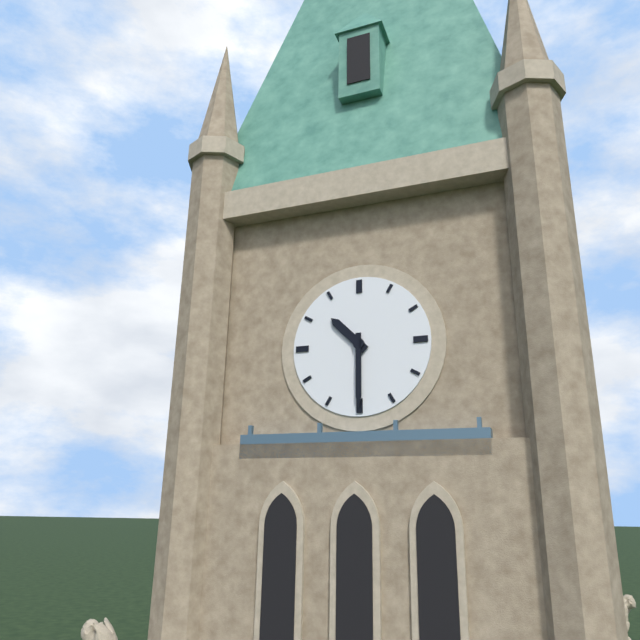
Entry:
10,30
